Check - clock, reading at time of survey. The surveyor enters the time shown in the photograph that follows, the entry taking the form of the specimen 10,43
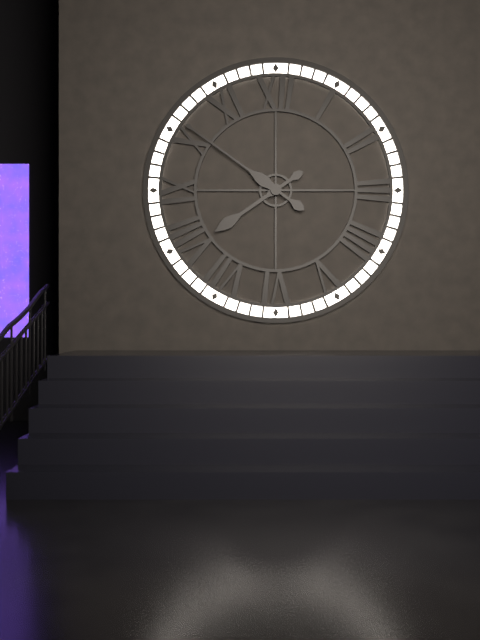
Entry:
7,51
